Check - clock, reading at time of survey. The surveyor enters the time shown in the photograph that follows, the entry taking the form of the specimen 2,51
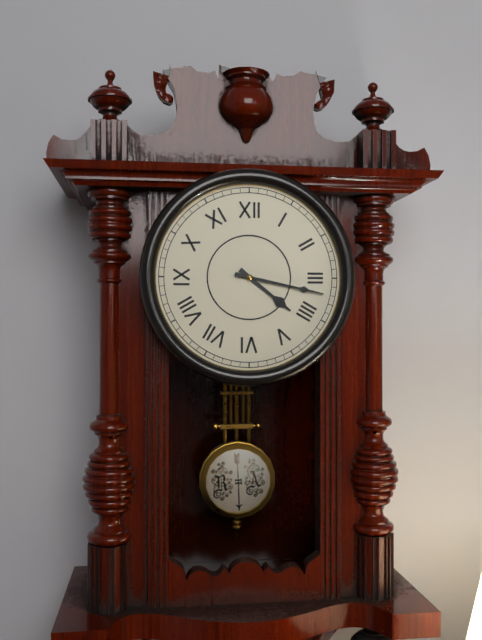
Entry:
4,17
